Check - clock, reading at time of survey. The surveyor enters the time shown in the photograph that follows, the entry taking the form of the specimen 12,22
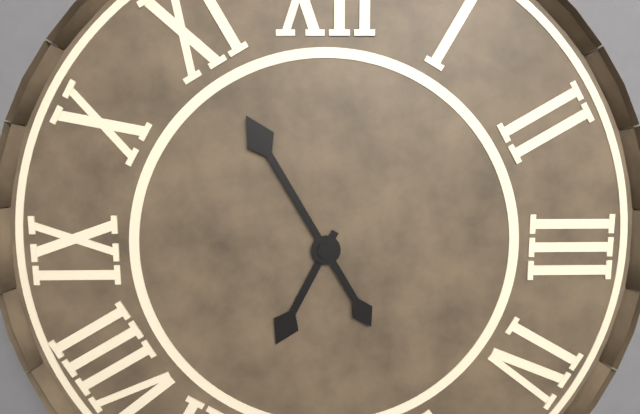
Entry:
6,55
